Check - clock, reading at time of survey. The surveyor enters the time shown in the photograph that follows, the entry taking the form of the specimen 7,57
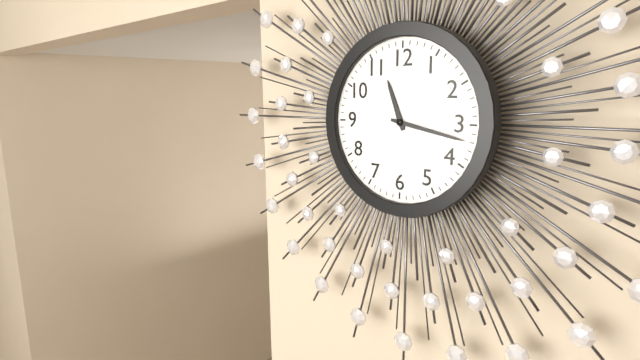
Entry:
11,17
